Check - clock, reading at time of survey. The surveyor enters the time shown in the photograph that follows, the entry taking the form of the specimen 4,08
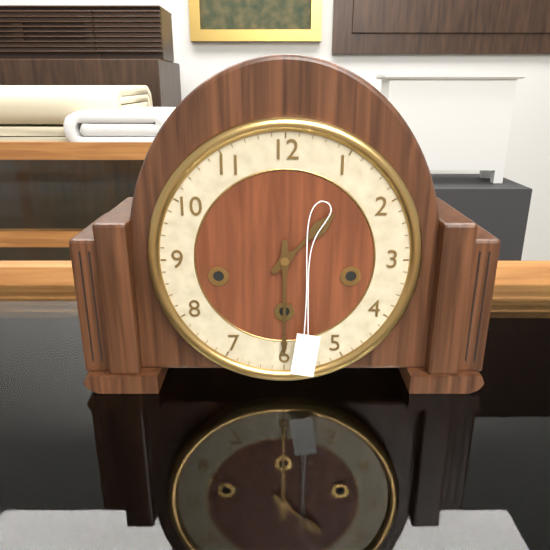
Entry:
1,30
